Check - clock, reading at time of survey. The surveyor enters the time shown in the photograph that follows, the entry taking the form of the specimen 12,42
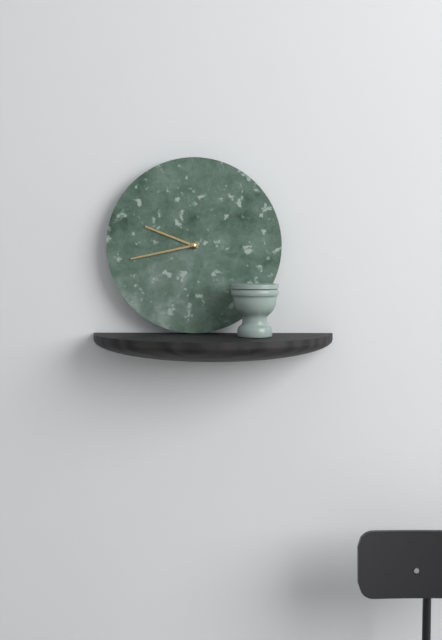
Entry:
9,43
